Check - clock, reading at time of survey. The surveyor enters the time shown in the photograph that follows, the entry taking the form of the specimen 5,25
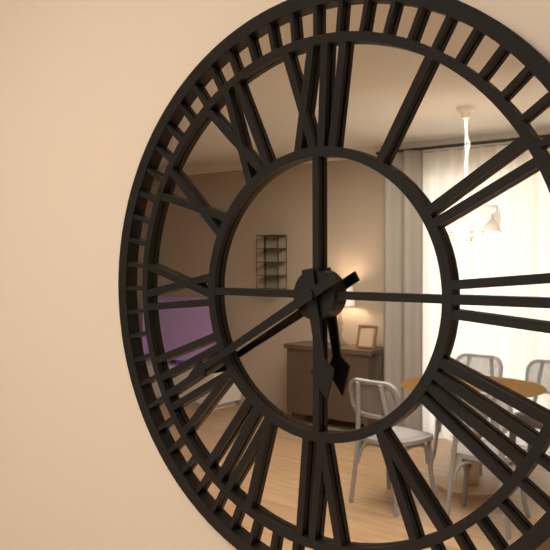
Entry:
5,40
